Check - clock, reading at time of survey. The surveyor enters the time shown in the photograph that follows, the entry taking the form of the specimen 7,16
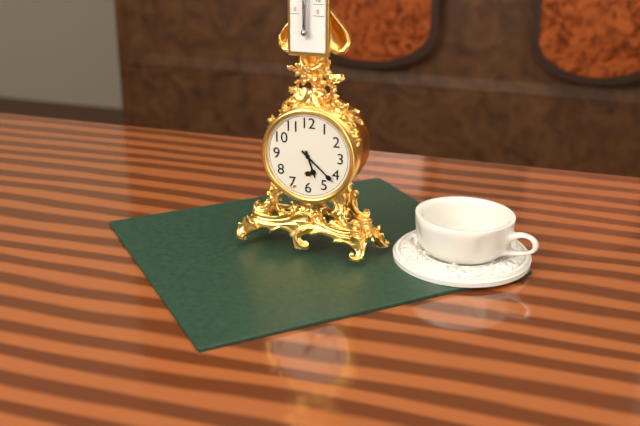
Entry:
5,22
